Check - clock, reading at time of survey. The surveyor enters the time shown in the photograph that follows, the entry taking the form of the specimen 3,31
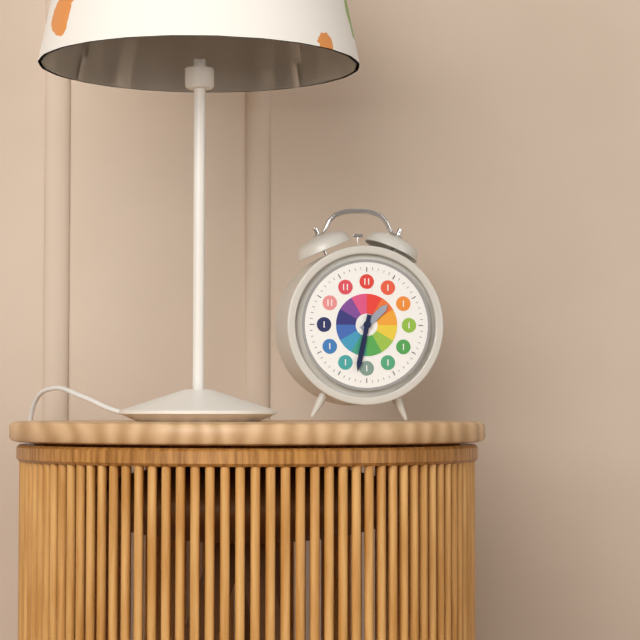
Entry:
1,32
